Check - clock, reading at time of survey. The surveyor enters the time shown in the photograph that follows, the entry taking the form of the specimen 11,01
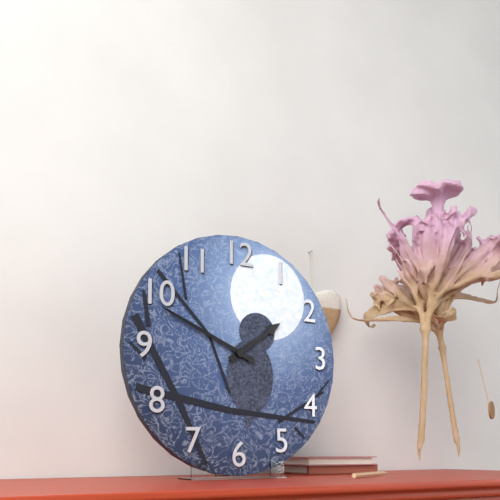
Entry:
1,49
